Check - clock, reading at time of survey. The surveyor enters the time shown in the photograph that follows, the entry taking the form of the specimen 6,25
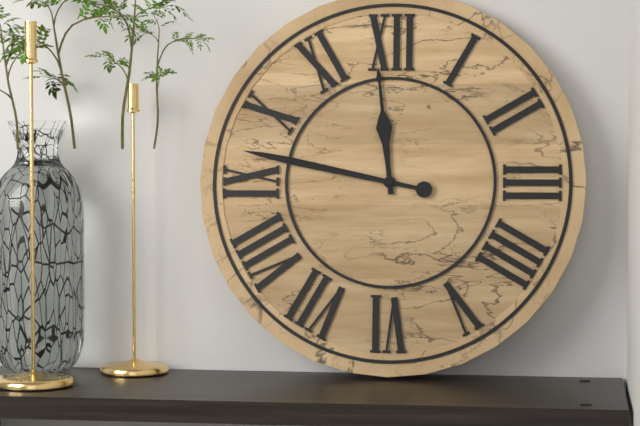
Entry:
11,47
